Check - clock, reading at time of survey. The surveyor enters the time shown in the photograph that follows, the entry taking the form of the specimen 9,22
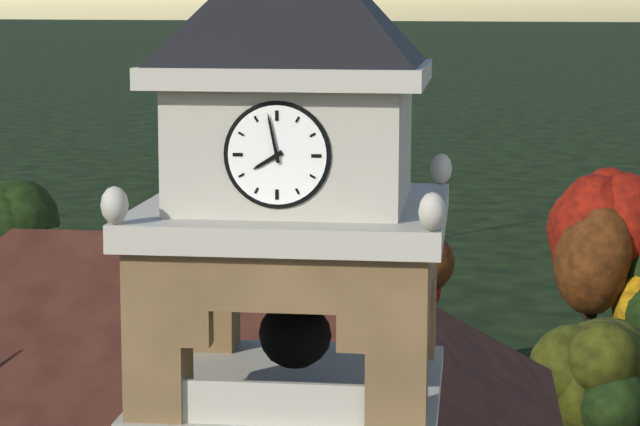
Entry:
7,58
